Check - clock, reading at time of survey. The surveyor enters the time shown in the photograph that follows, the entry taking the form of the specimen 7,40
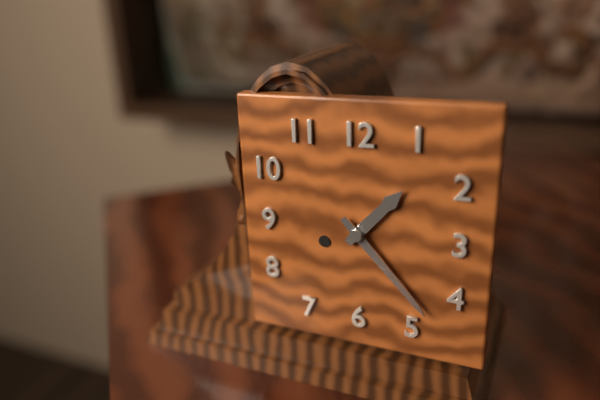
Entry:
1,23
